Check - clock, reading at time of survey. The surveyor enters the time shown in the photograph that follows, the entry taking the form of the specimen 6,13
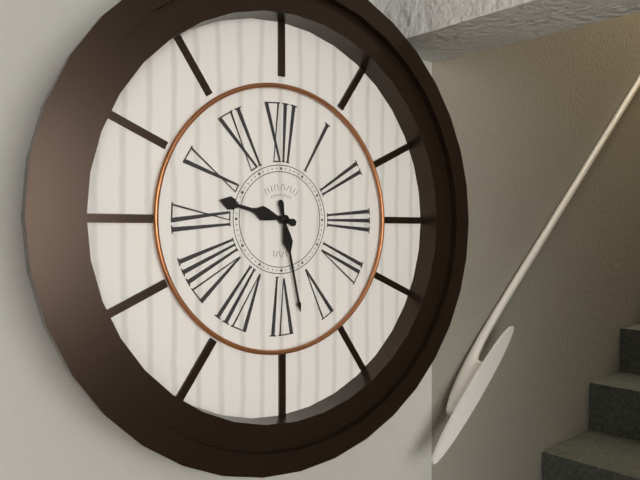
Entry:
9,28
